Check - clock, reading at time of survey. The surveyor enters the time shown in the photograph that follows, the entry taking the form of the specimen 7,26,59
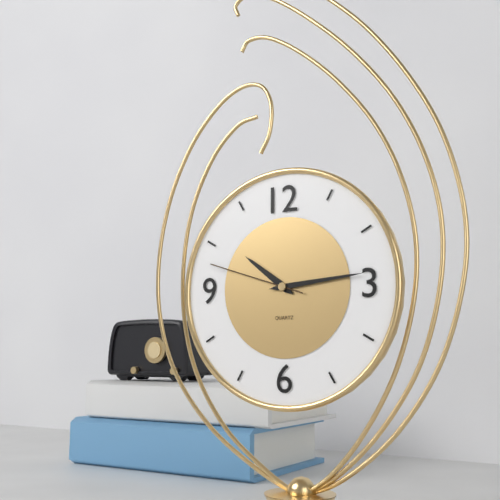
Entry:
10,14,48
